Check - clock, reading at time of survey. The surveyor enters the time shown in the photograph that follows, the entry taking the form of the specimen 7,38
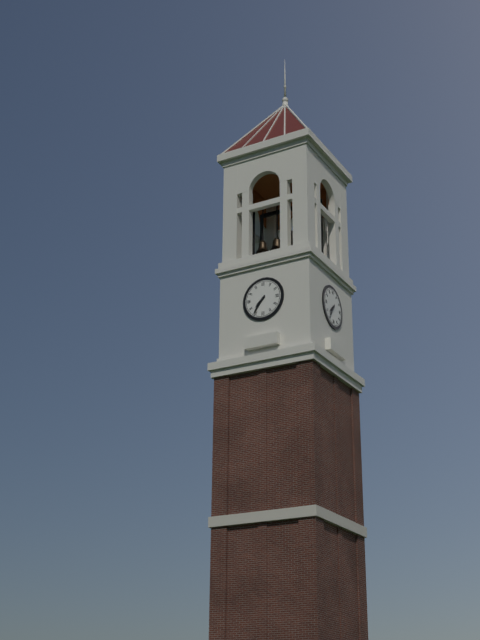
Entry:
7,36
